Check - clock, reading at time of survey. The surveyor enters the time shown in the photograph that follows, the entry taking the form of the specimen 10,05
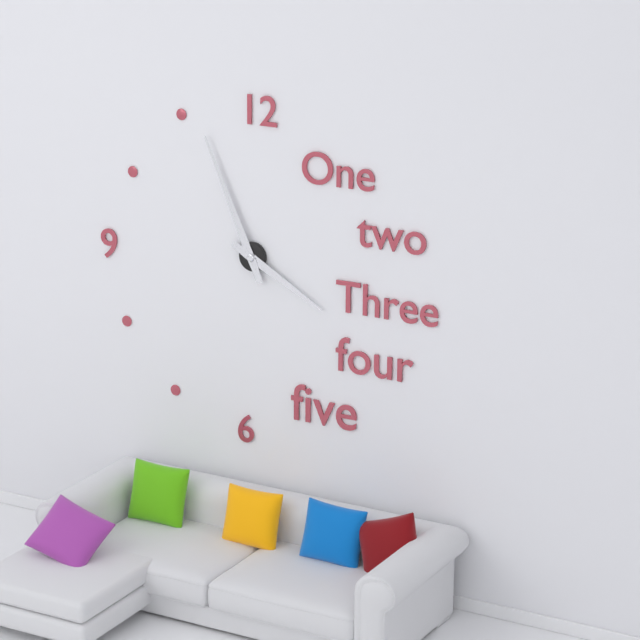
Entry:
3,56
